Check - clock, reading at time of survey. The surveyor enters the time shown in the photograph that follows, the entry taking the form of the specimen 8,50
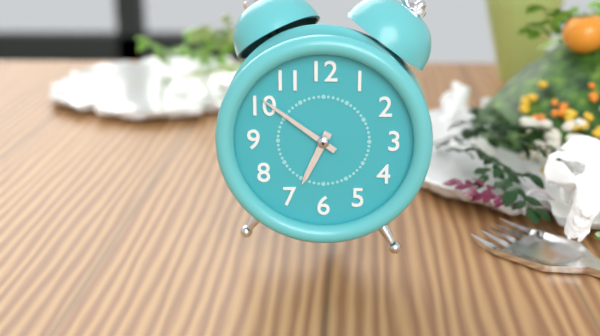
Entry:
6,51
